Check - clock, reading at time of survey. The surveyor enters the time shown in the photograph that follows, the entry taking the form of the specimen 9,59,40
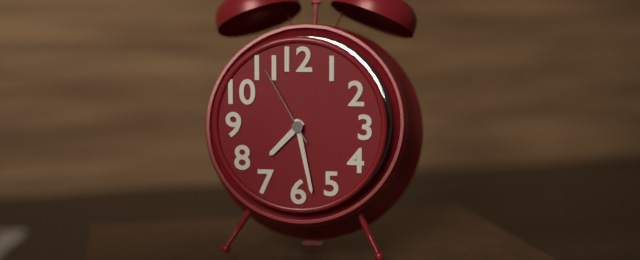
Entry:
7,28,55
